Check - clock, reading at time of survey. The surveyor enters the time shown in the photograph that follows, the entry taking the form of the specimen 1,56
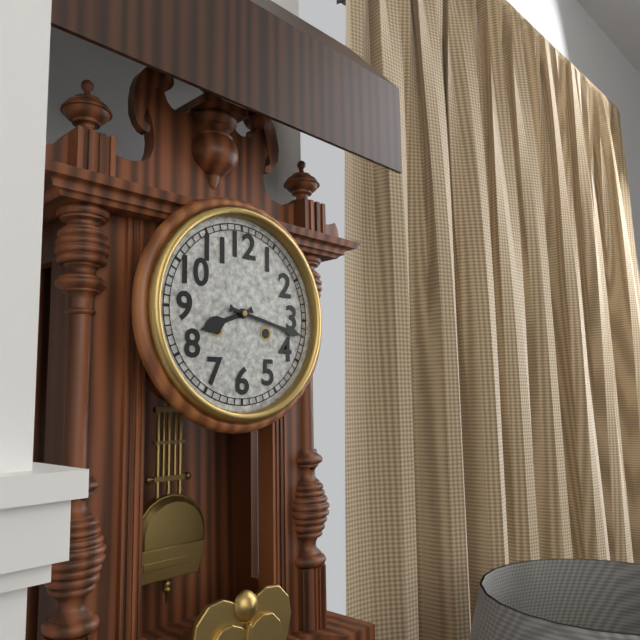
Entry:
8,17
